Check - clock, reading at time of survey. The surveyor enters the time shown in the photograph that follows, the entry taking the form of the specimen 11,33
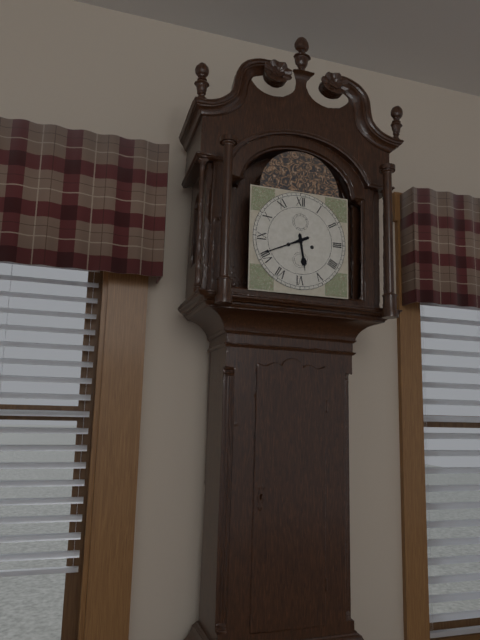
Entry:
5,41
